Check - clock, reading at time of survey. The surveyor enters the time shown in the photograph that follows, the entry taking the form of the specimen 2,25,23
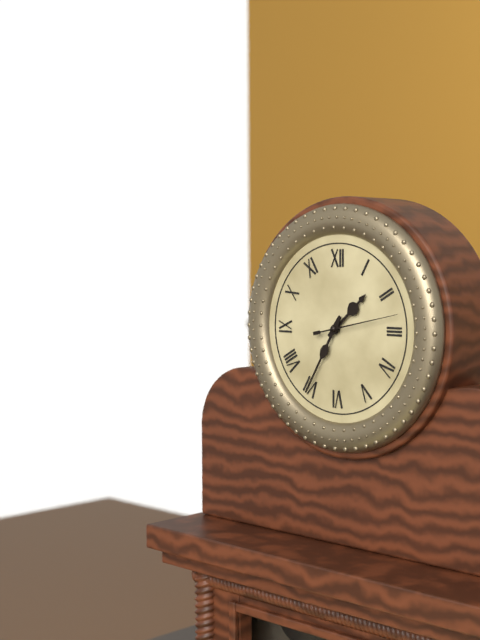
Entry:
1,35,13
